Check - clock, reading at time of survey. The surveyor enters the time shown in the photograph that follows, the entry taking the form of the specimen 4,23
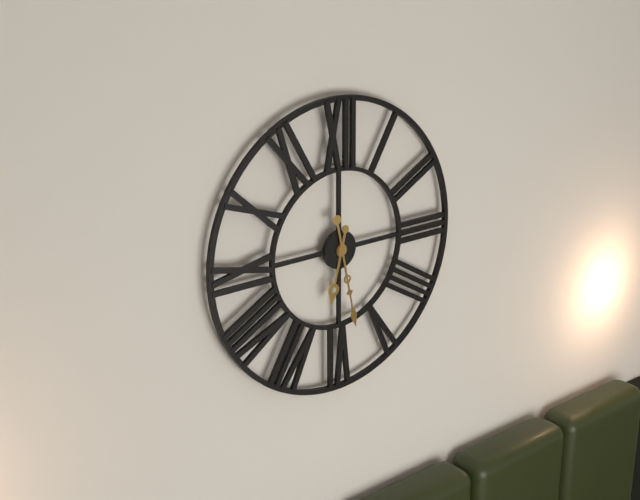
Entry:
6,28
